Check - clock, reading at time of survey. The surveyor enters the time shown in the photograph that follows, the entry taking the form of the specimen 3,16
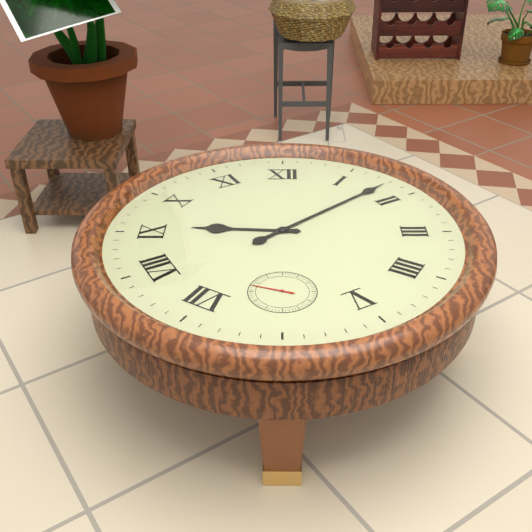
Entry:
9,08
